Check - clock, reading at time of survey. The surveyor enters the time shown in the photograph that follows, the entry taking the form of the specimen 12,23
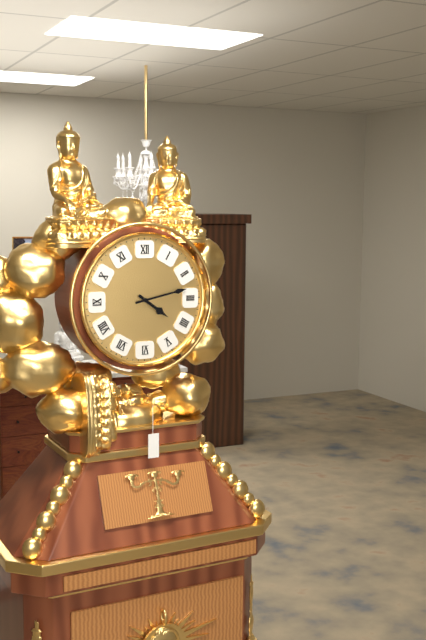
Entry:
4,13
